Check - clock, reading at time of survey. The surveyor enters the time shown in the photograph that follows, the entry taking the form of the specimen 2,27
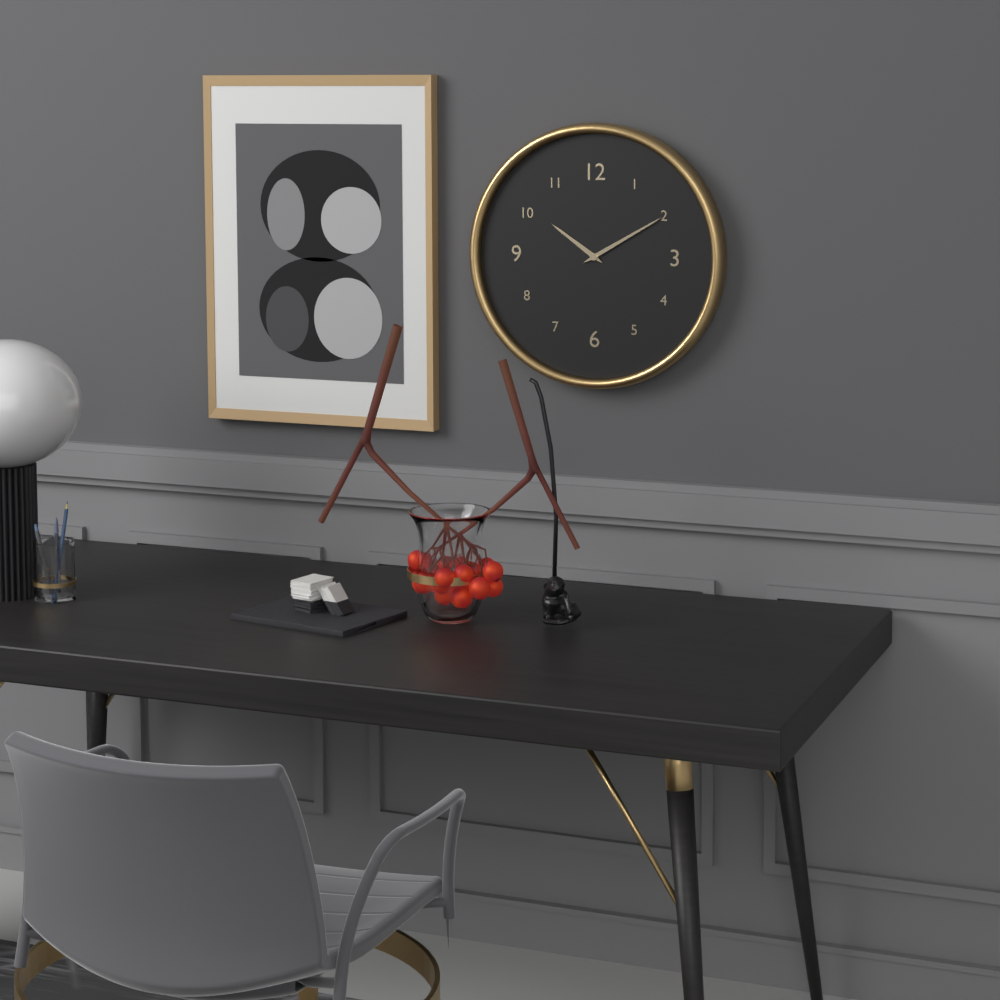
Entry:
10,10
